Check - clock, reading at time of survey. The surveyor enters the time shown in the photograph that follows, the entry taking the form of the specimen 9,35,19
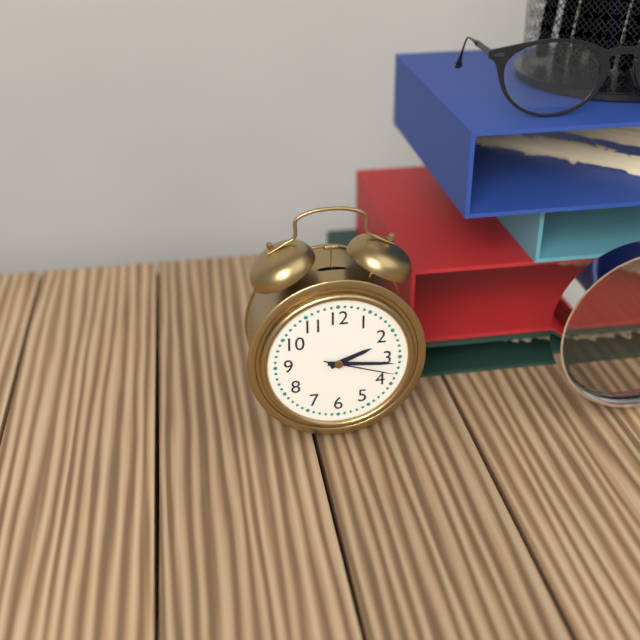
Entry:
2,16,18
